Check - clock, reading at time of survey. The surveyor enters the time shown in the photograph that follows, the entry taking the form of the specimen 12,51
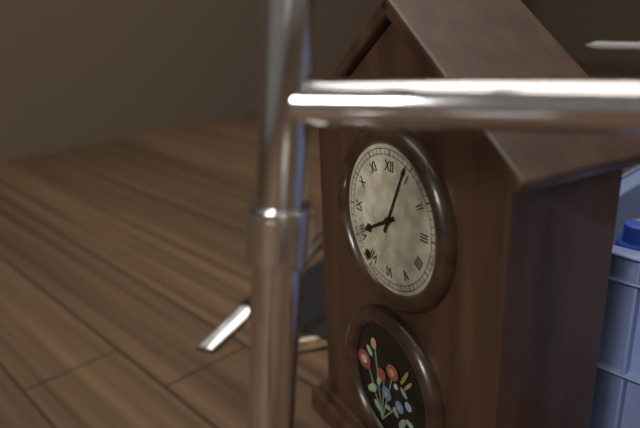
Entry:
8,04
